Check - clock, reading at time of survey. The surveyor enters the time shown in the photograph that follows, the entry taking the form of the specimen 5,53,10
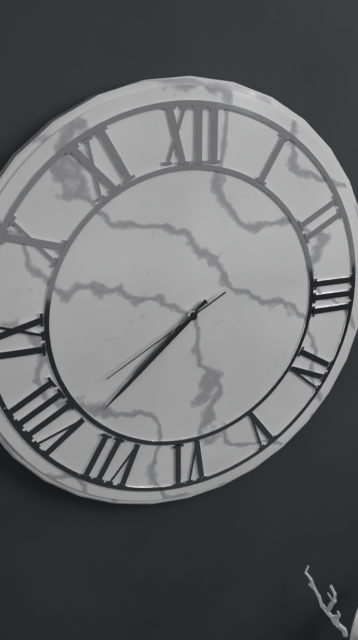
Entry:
7,38,40
